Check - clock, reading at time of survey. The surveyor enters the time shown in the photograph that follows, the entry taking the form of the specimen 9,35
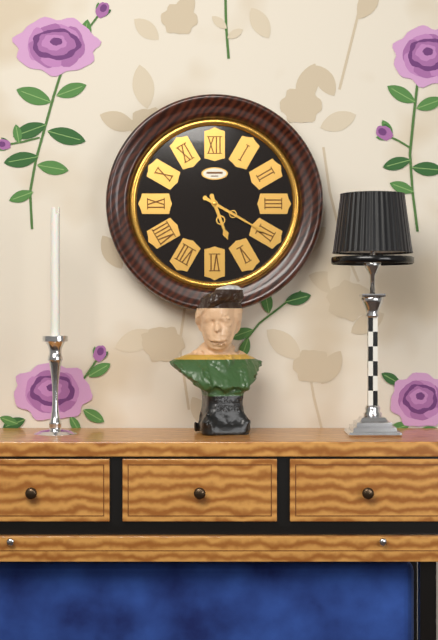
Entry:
5,20
